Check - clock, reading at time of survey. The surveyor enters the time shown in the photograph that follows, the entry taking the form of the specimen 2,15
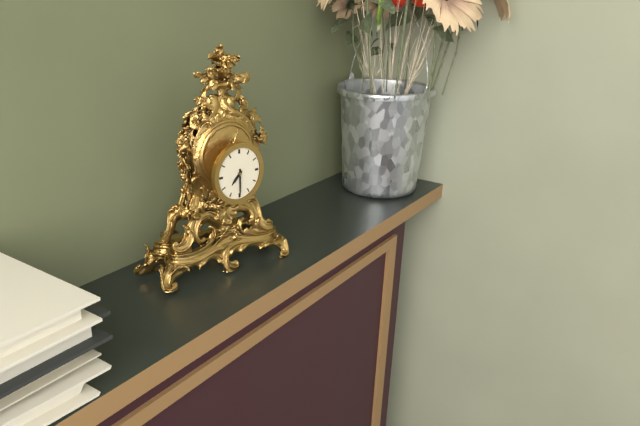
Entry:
7,30
